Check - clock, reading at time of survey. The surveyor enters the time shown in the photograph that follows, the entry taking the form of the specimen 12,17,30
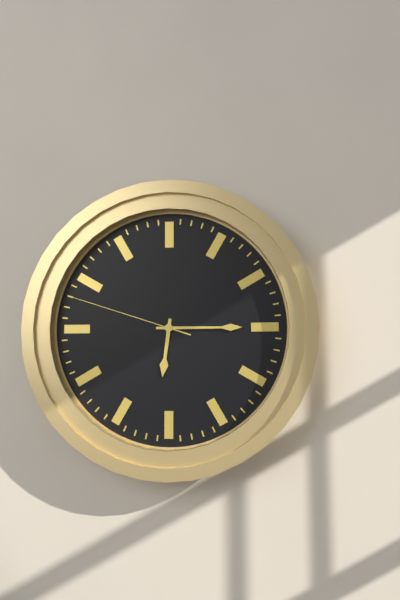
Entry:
6,15,48
